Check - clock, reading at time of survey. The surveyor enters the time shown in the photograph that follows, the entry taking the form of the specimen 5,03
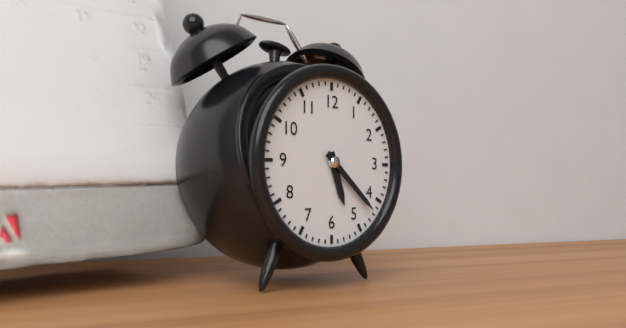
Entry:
5,22
